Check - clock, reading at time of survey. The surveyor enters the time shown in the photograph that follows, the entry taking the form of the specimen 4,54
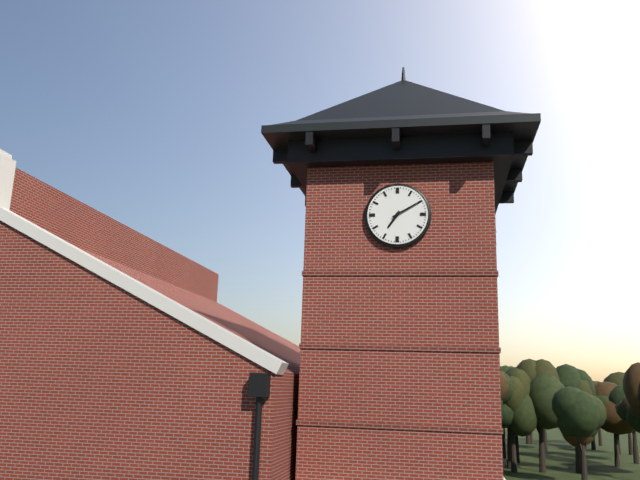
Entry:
7,10
